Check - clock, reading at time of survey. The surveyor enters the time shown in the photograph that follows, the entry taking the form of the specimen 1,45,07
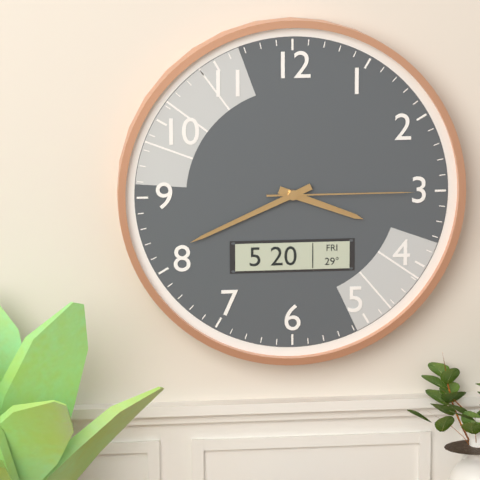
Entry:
3,41,15
